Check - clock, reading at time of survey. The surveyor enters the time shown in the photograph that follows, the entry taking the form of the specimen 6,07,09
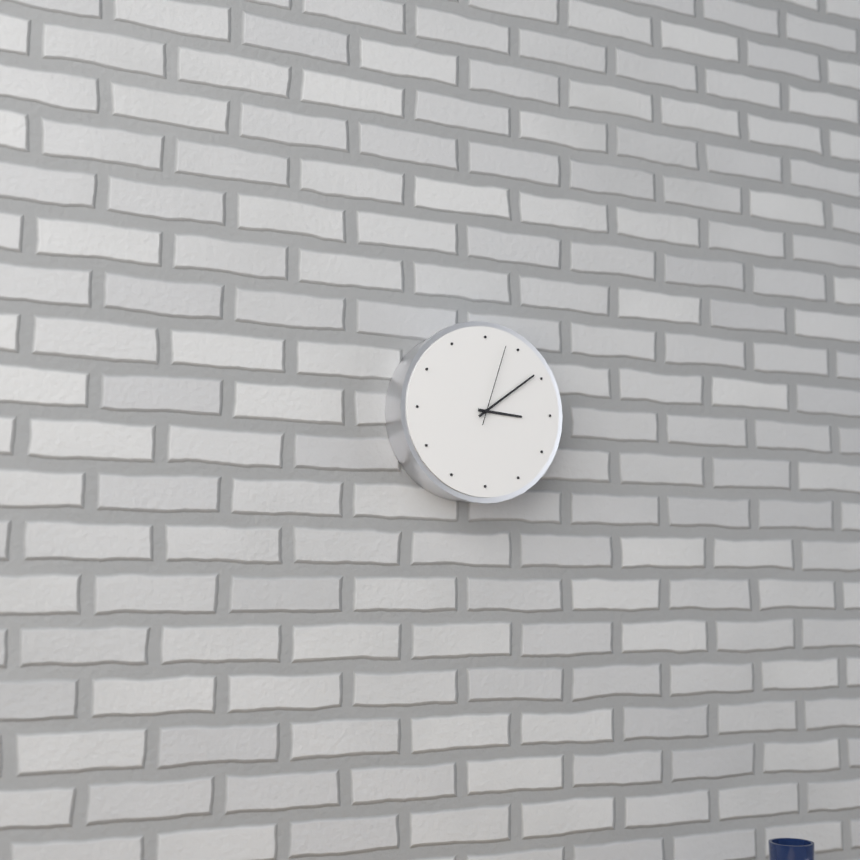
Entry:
3,09,03
